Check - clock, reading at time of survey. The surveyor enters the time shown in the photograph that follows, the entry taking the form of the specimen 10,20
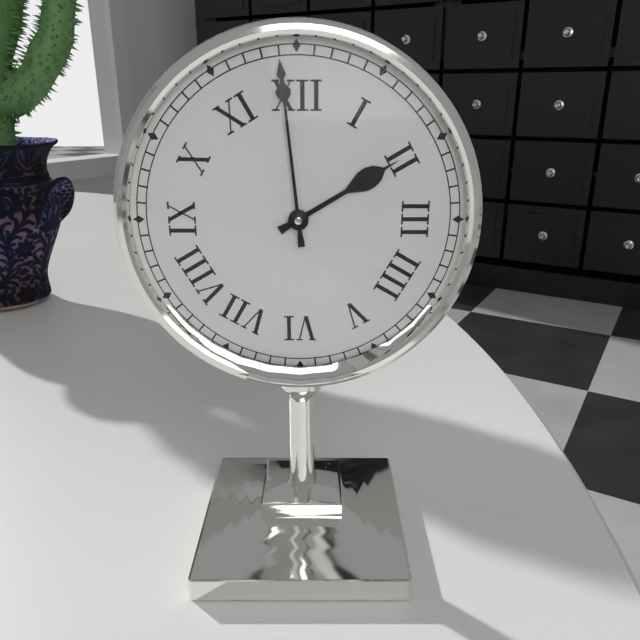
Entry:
1,59
